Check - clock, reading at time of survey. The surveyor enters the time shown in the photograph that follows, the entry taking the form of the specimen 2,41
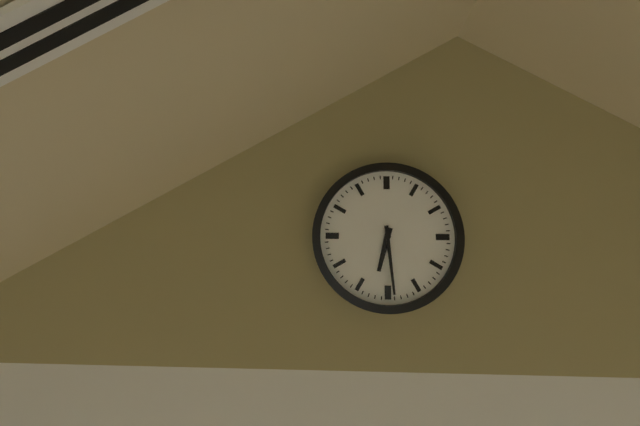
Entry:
6,29
